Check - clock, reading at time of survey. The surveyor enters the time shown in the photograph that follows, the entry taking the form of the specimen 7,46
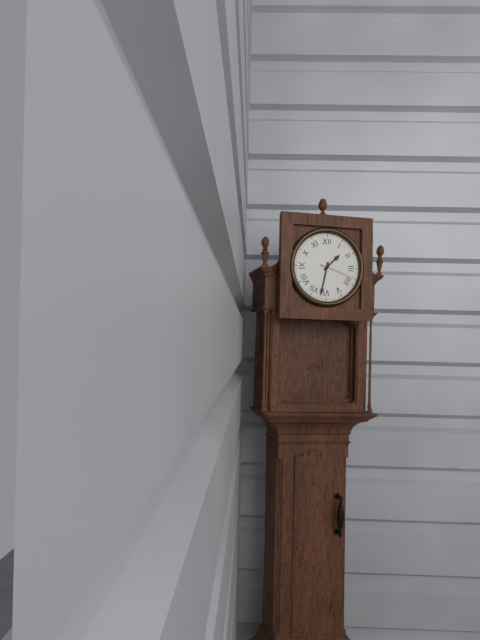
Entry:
1,32
